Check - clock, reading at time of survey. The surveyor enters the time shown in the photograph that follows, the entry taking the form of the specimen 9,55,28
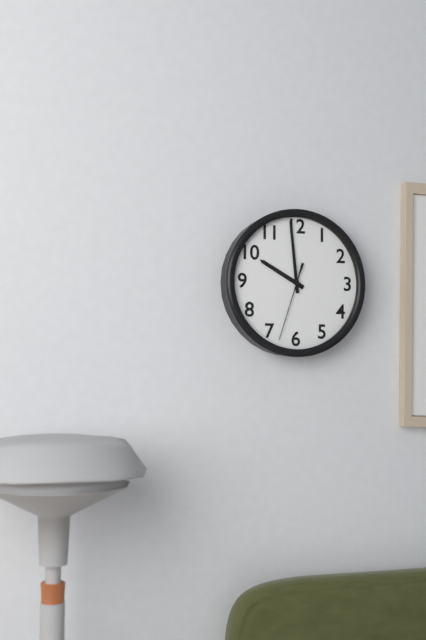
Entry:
9,59,33
